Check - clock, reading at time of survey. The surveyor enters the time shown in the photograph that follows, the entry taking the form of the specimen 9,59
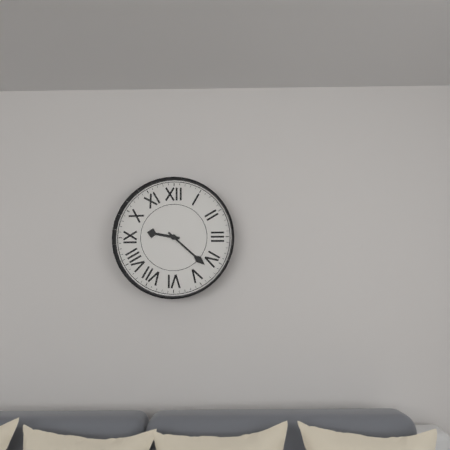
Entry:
9,22
